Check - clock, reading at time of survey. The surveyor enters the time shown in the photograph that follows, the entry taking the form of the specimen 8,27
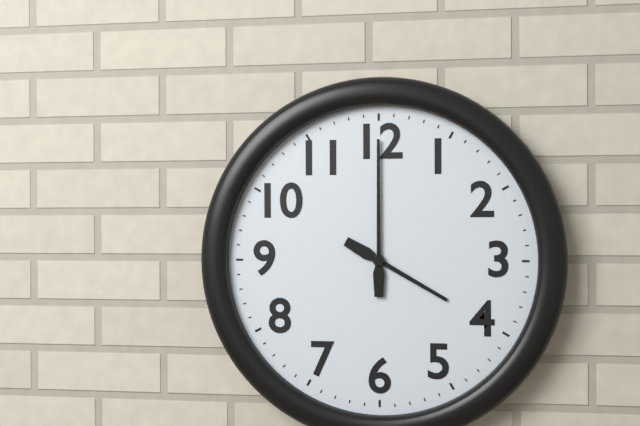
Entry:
4,00
